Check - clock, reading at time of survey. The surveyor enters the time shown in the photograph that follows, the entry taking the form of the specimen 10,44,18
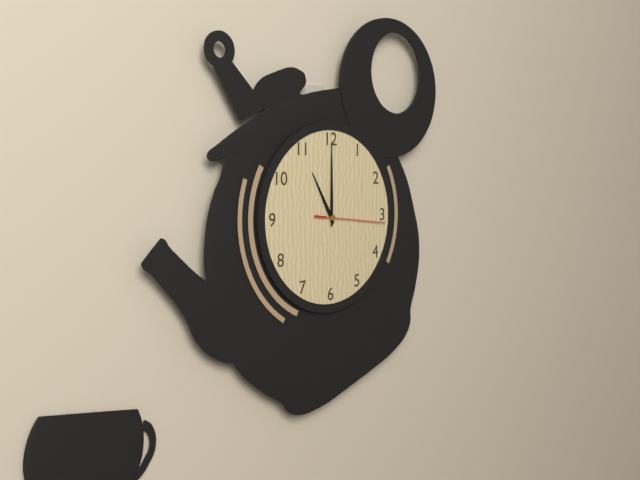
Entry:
11,00,16
